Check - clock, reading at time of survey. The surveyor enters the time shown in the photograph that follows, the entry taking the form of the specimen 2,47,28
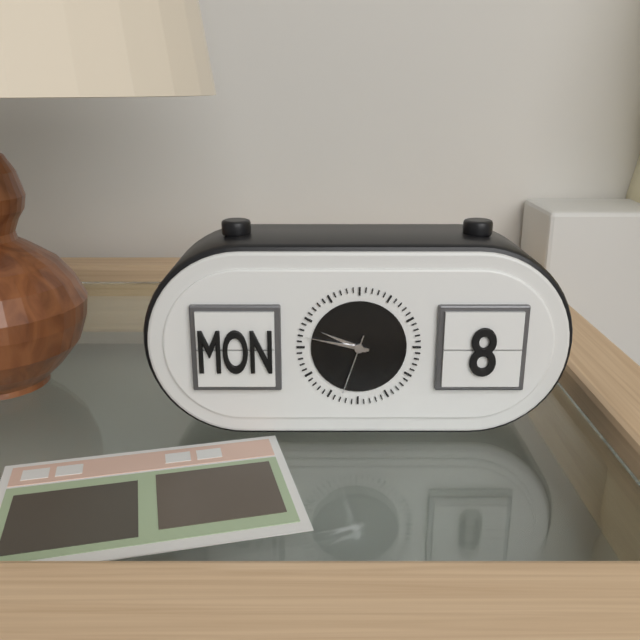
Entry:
9,47,33
